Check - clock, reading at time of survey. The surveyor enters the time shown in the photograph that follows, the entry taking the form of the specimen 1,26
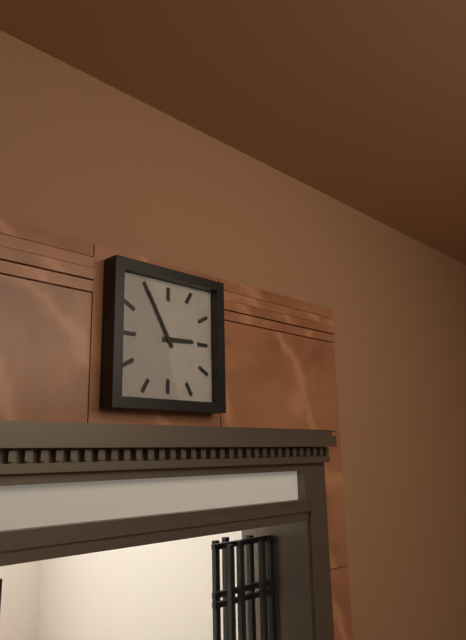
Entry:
2,55
